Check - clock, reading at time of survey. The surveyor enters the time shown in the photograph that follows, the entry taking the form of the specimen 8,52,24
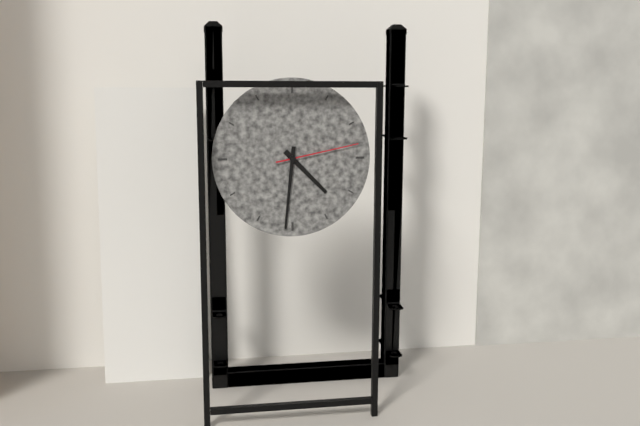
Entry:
4,31,13
